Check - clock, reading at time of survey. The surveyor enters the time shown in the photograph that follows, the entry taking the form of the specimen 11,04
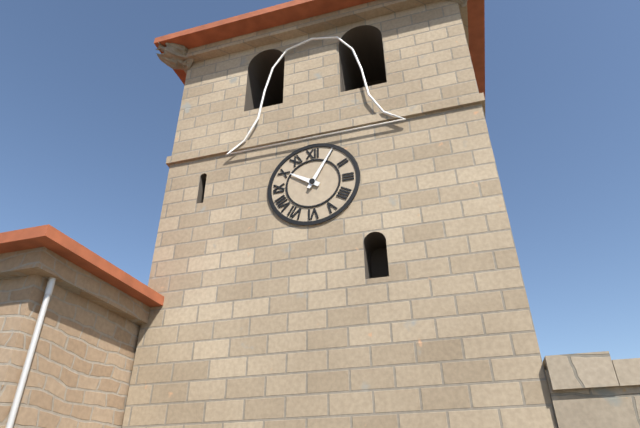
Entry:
10,05
